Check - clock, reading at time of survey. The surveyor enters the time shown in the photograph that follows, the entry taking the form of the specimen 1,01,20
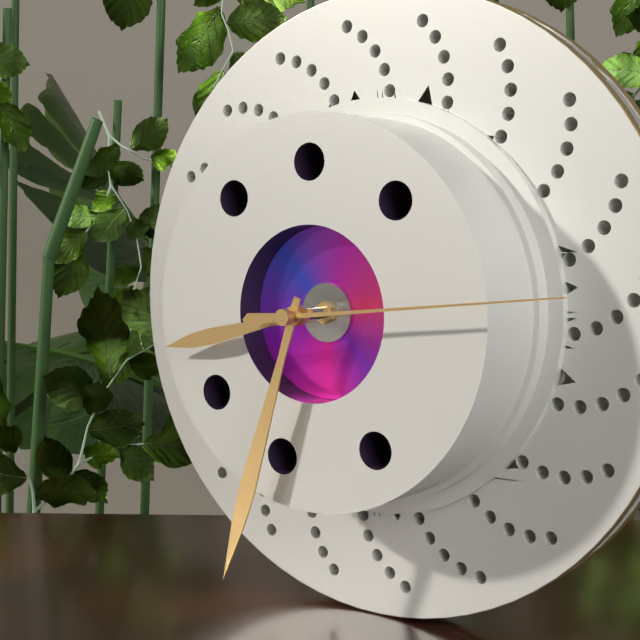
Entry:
8,33,14
